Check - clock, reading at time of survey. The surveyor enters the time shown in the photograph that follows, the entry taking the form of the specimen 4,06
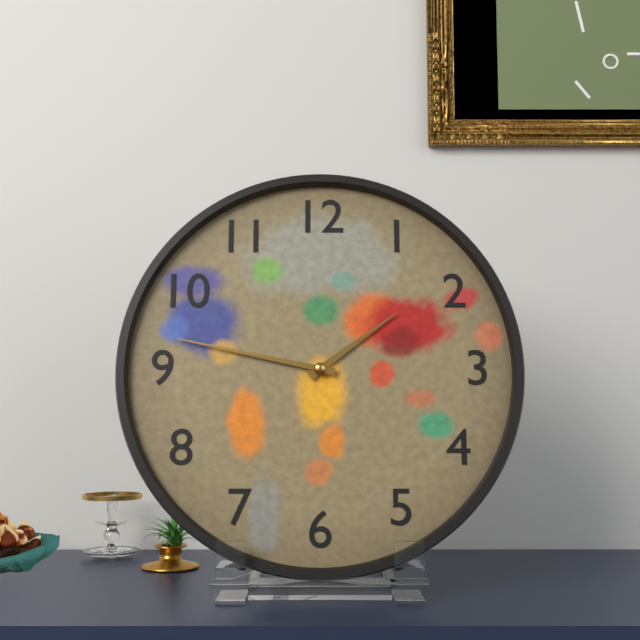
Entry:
1,47
